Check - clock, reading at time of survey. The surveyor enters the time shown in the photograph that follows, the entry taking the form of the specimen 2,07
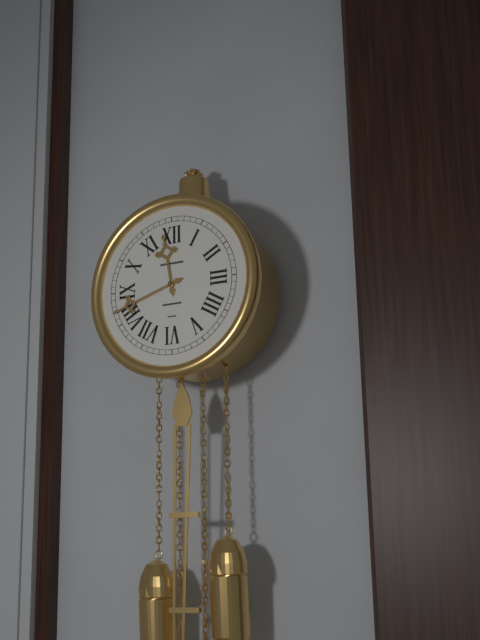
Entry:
11,42
